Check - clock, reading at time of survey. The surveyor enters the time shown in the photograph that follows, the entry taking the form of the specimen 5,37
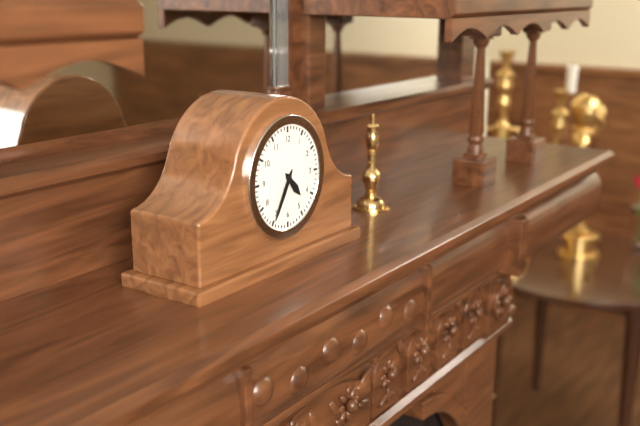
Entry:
4,35
